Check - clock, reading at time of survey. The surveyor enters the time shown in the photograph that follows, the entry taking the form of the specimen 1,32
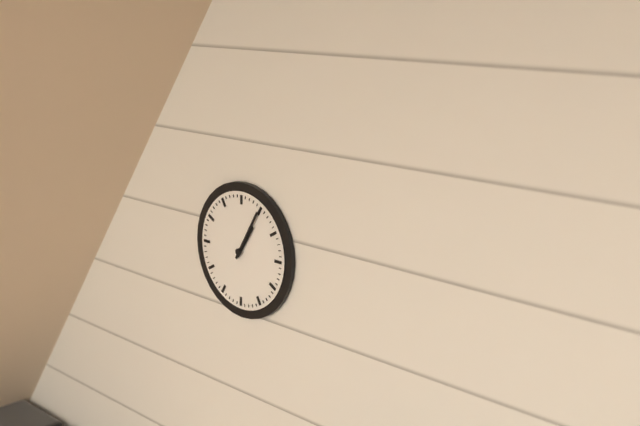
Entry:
1,05
